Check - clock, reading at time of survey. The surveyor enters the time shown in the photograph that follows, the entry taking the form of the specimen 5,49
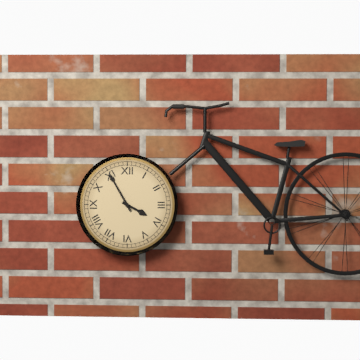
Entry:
3,55
